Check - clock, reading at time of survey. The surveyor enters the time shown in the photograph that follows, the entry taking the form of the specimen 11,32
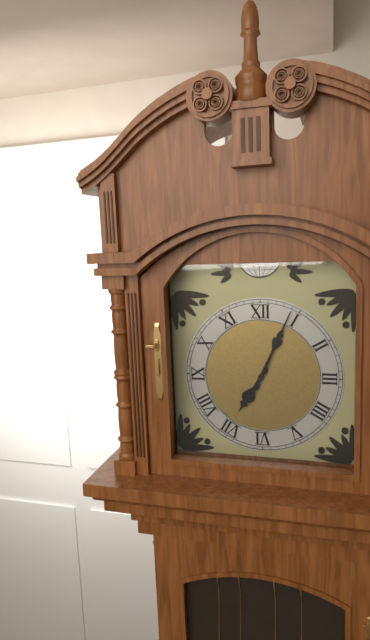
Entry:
7,04
